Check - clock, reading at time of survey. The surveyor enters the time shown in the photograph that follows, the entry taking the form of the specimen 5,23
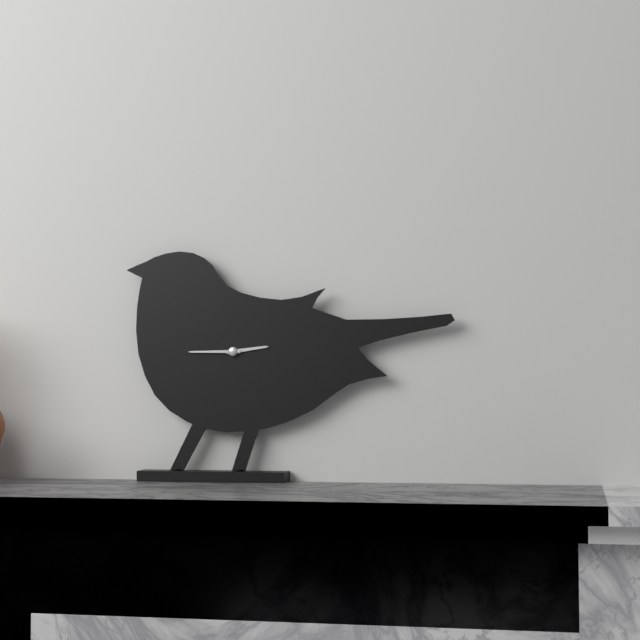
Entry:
2,45
